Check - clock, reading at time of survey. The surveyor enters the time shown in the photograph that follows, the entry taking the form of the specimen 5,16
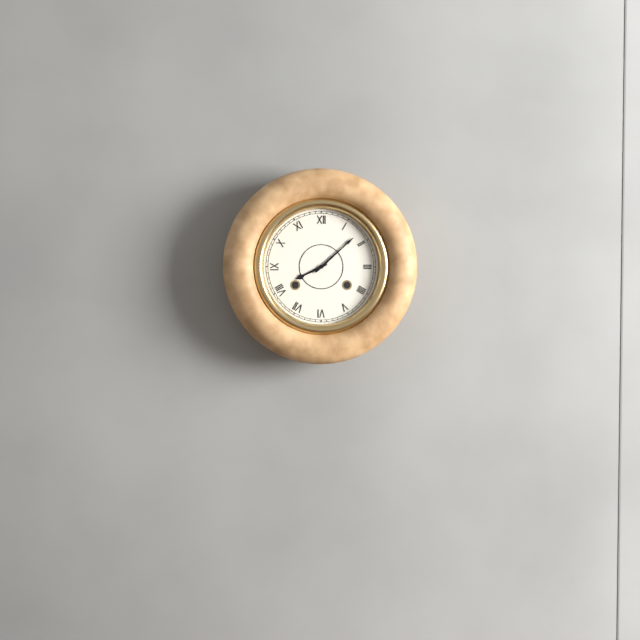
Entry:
8,08
